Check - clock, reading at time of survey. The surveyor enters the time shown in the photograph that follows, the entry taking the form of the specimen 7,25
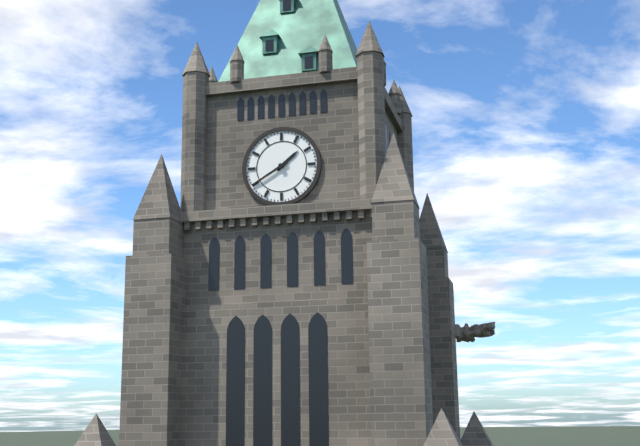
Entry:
1,40
